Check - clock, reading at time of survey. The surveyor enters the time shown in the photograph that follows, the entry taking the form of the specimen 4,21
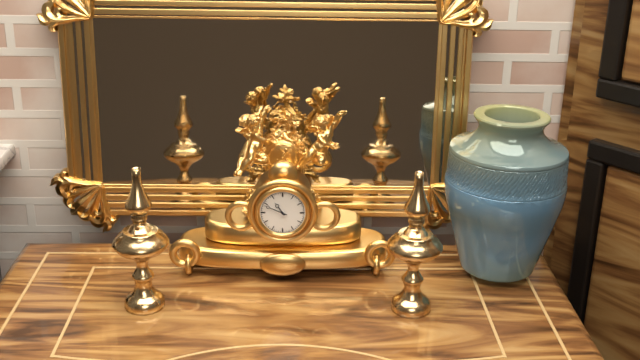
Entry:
10,49
